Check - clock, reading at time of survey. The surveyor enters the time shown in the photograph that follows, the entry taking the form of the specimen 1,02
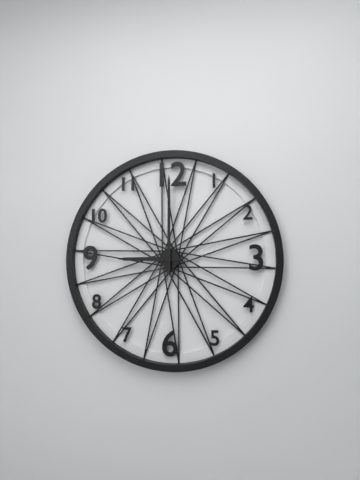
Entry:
9,00
